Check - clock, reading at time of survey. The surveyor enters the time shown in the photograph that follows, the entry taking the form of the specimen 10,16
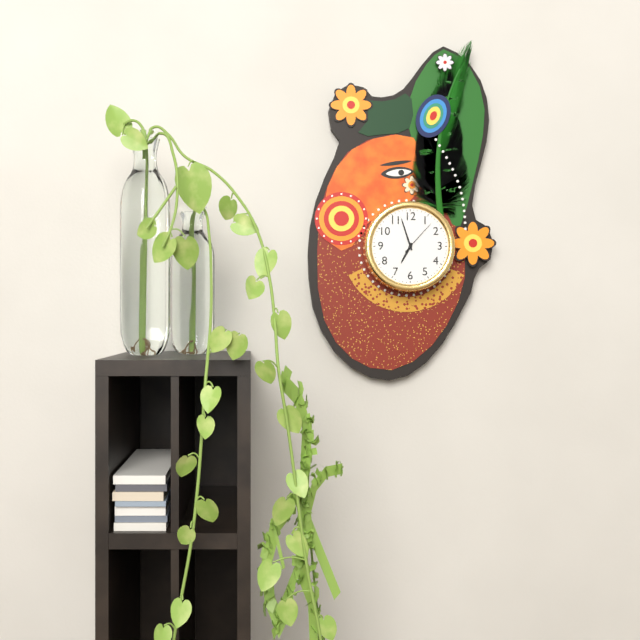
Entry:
6,57
